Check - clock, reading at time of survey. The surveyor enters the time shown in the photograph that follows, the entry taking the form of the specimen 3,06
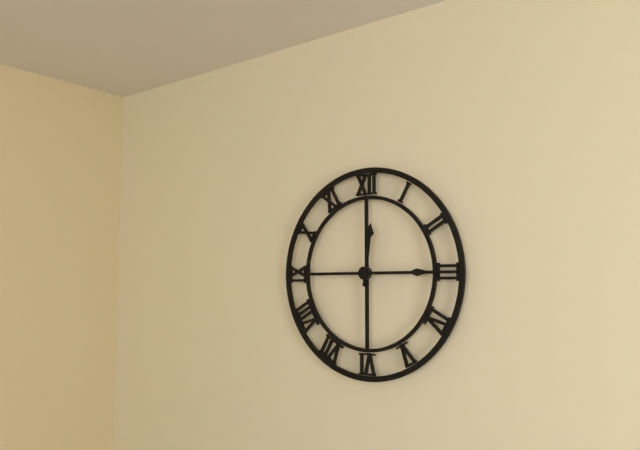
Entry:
12,15
